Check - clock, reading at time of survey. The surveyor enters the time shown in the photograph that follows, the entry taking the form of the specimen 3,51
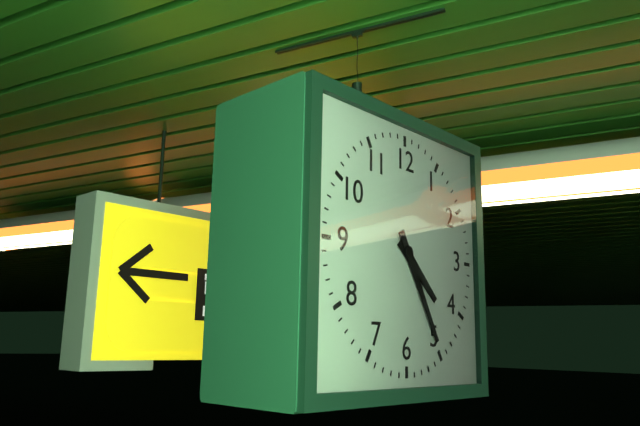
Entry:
4,25
